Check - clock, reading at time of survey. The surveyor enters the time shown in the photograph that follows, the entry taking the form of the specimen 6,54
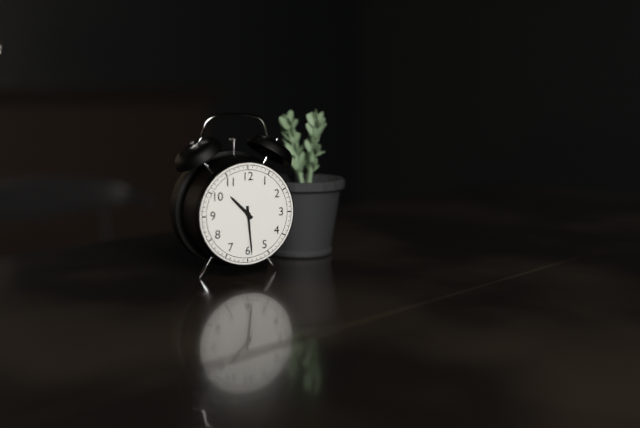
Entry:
10,29
